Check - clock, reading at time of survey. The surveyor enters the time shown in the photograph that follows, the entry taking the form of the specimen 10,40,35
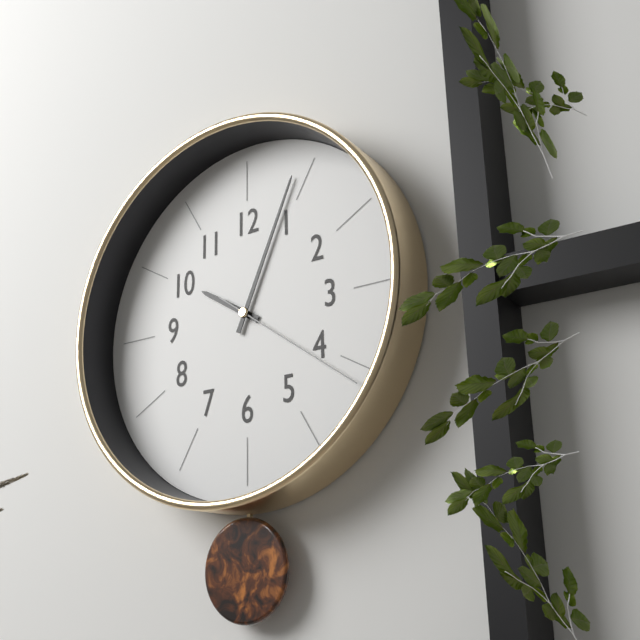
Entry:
10,04,21
